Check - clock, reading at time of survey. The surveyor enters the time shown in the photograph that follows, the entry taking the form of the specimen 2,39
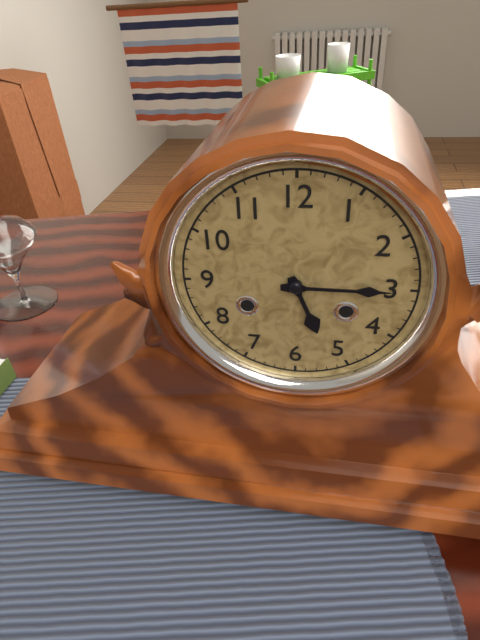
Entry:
5,15
